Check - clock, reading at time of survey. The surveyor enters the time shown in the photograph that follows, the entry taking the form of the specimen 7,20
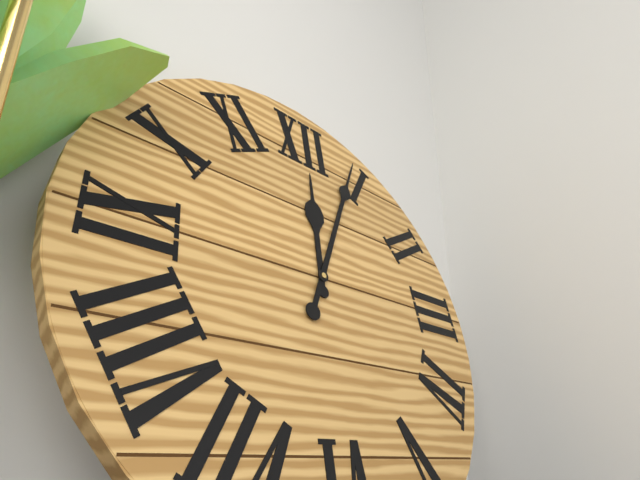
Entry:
12,04
